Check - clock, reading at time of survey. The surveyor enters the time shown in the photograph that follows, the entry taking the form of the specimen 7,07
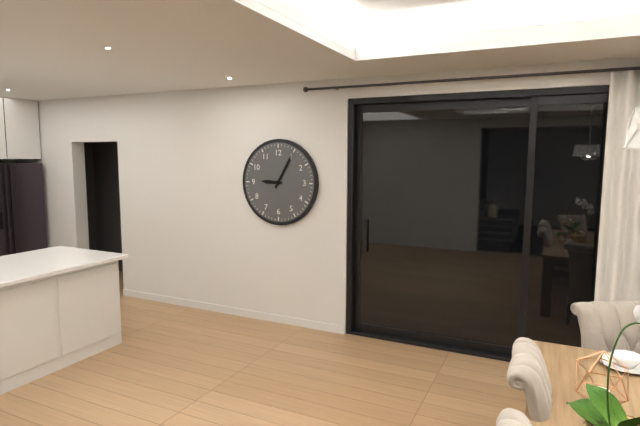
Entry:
9,05
